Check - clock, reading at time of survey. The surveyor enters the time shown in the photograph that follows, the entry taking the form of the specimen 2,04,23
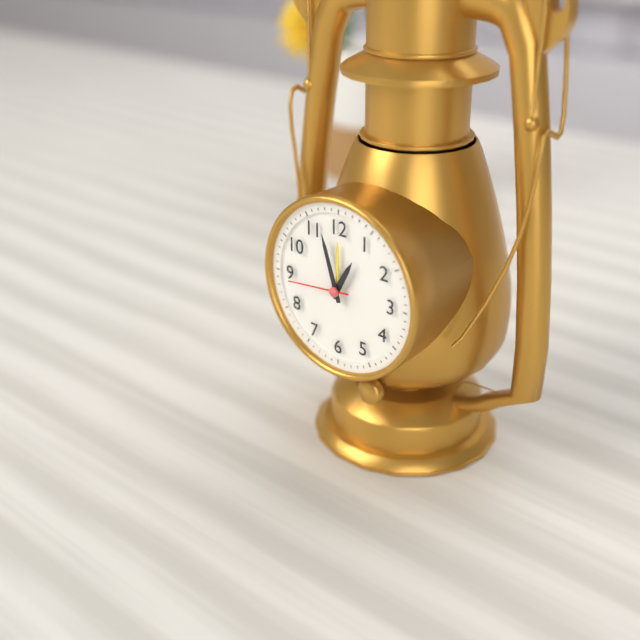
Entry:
12,57,44
